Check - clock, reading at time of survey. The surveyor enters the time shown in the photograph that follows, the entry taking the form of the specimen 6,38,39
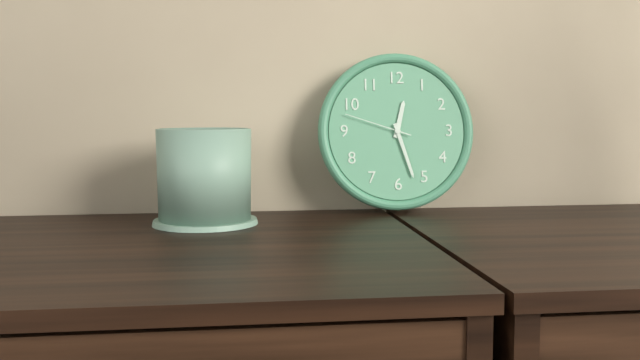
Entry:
12,27,48
